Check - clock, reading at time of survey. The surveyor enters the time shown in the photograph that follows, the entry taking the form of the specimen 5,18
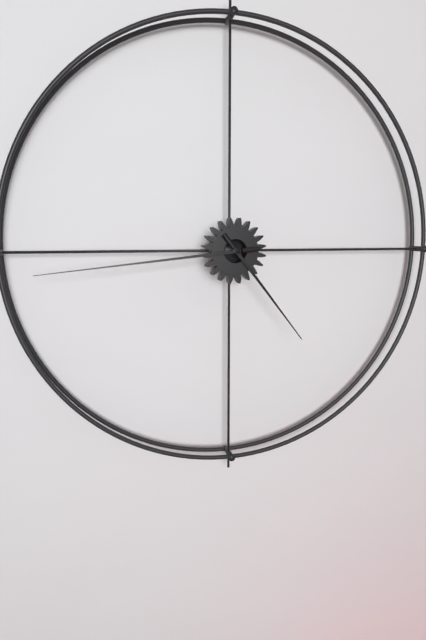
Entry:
4,44
